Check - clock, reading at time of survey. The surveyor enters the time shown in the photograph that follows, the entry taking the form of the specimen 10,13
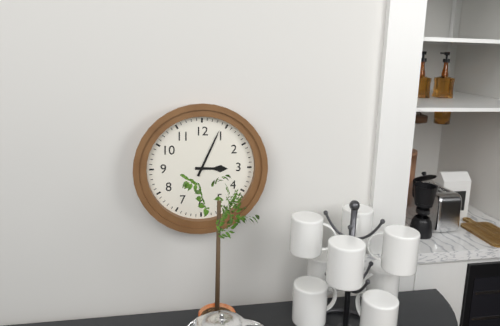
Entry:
3,04
